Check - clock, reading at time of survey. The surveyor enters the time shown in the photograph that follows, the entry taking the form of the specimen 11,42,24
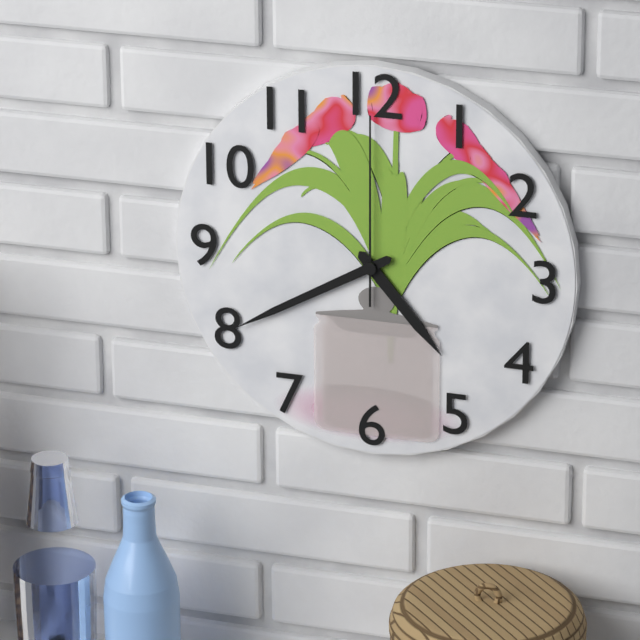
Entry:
4,40,00
